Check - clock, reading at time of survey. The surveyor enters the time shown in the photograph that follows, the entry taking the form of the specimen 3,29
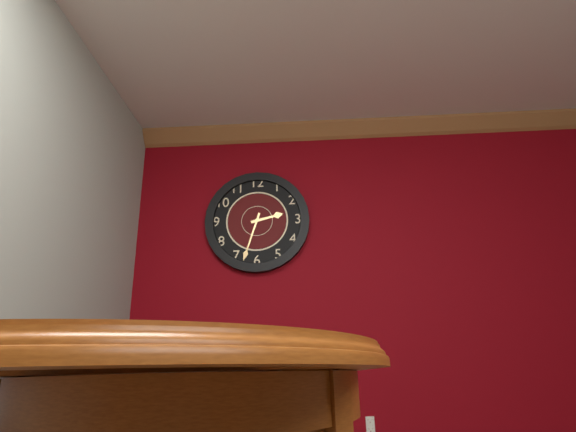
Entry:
2,33
